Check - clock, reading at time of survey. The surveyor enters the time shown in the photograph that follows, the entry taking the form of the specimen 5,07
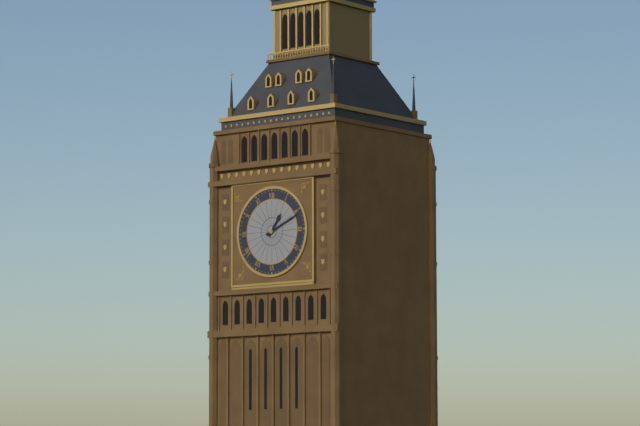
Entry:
1,11
